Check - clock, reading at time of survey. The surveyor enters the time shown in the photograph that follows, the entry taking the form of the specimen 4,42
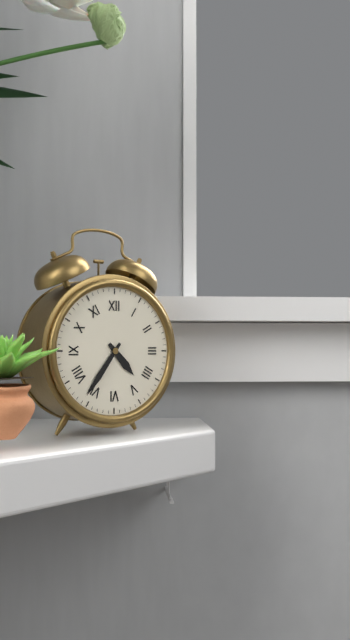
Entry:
4,36
